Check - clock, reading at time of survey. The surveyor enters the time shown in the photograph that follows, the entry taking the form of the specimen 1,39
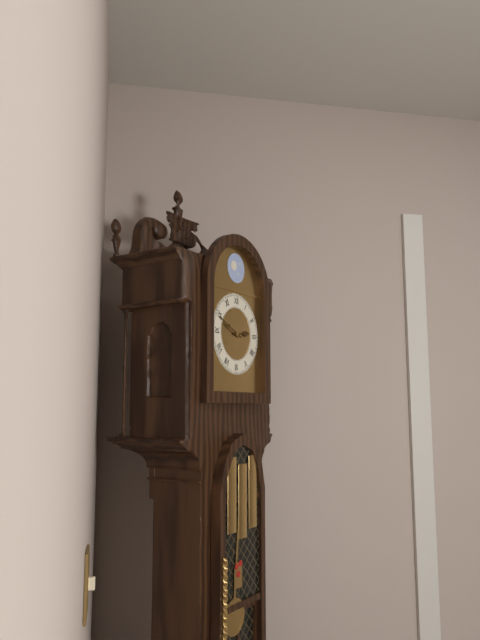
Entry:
2,49
